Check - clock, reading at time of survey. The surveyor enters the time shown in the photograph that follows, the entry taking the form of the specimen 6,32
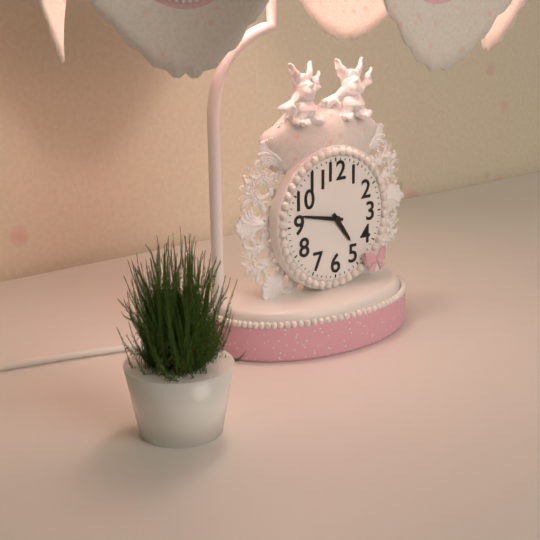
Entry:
4,47
